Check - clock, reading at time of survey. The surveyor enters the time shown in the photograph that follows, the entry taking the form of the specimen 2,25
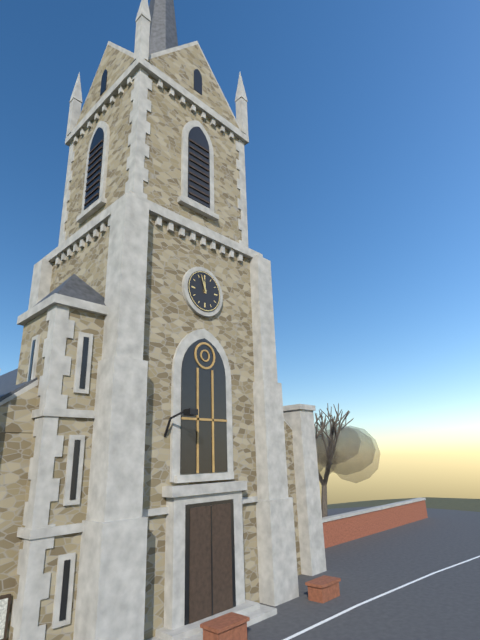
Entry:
11,57
